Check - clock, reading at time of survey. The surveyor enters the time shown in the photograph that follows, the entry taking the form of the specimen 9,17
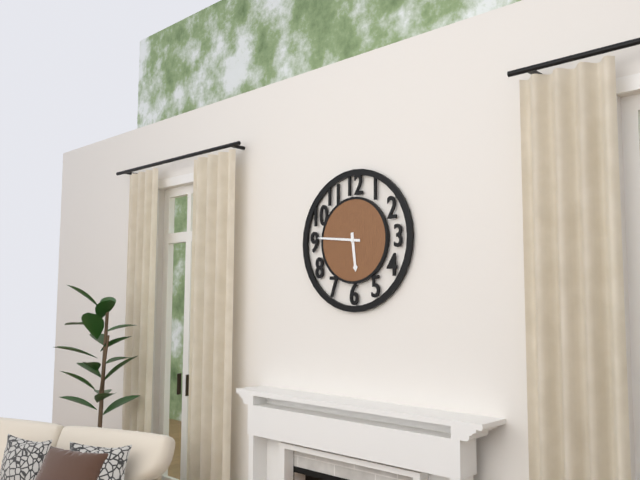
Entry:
5,46
